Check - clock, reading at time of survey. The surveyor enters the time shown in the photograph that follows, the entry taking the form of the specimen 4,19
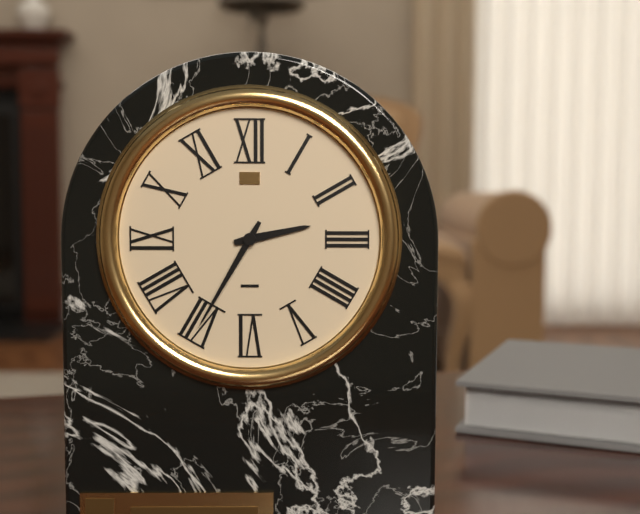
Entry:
2,35
